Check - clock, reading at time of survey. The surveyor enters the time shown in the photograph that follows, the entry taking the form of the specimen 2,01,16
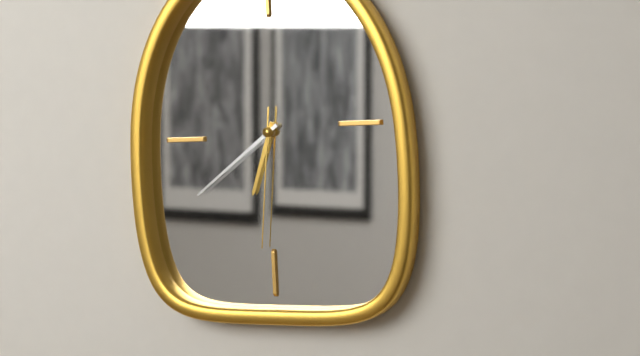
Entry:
6,39,31
